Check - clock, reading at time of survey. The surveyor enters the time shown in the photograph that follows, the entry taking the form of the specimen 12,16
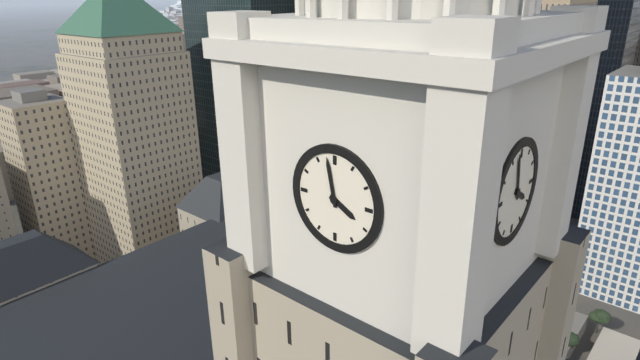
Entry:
3,58
